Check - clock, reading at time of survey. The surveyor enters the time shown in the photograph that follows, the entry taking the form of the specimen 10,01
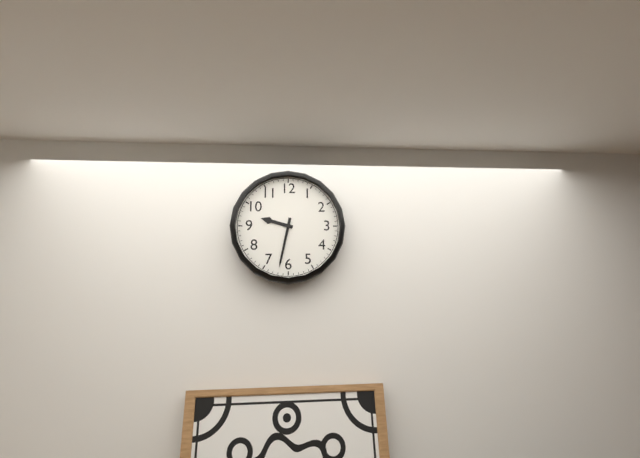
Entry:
9,32
